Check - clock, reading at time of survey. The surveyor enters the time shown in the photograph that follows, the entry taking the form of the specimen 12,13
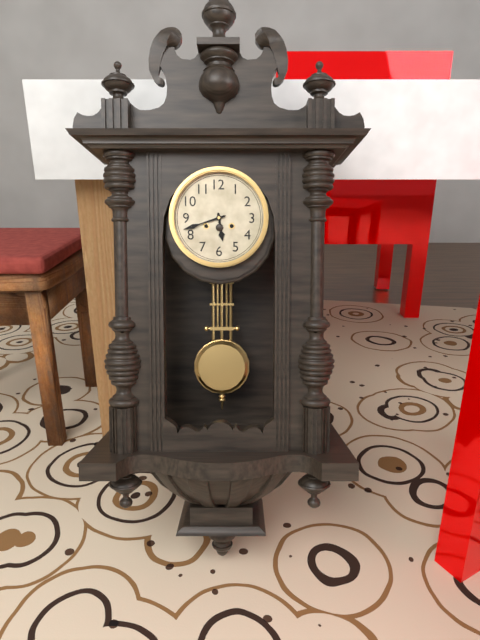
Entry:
5,42
